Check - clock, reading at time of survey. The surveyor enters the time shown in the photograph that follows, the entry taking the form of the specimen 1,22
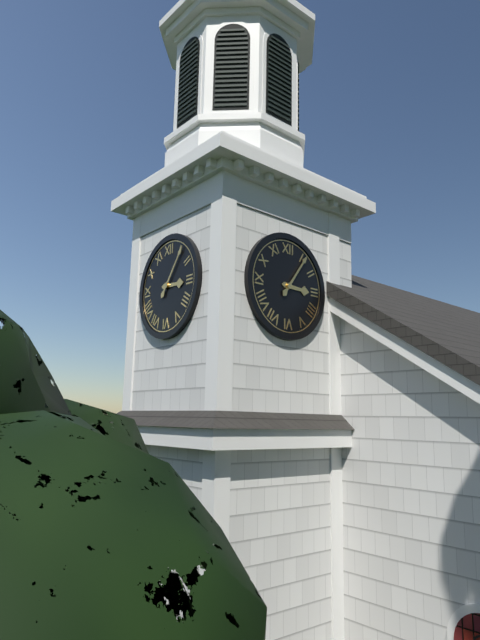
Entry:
3,06
